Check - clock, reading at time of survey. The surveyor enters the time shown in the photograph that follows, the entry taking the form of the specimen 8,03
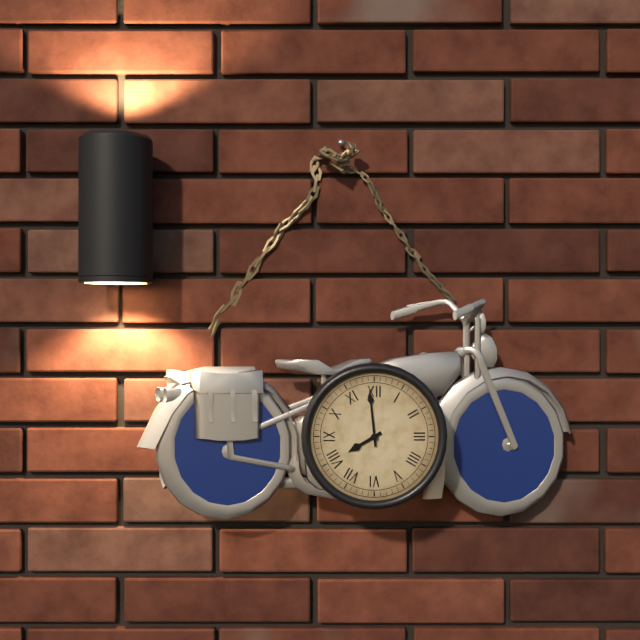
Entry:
7,59
